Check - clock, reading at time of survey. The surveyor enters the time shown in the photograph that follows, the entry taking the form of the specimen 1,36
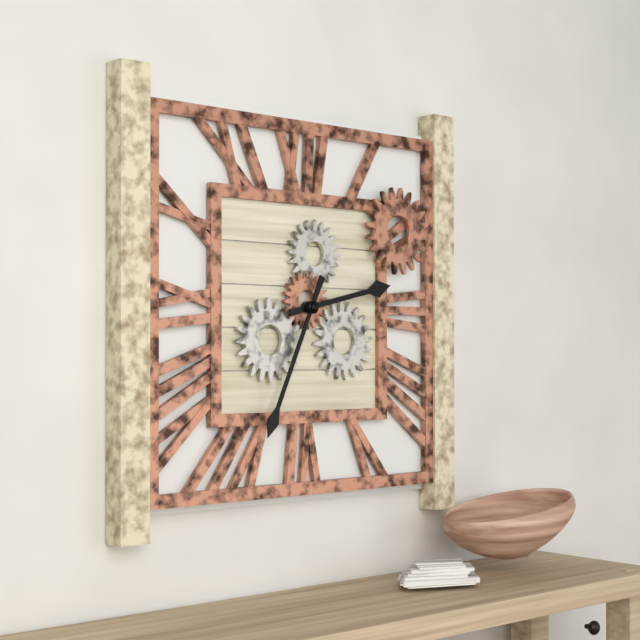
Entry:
2,34
